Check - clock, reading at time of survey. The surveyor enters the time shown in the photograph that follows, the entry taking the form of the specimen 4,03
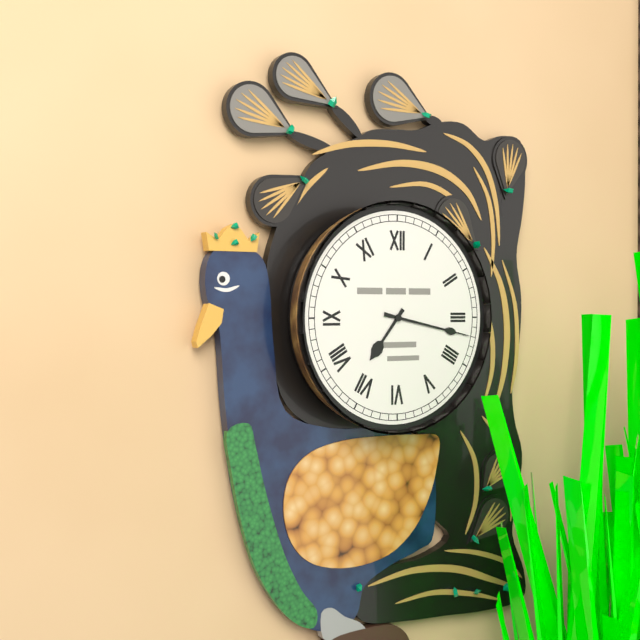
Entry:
7,17
